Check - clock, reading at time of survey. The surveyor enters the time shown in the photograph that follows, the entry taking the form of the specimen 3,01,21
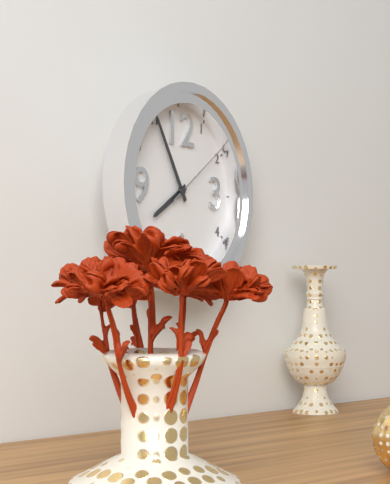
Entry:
7,55,09
